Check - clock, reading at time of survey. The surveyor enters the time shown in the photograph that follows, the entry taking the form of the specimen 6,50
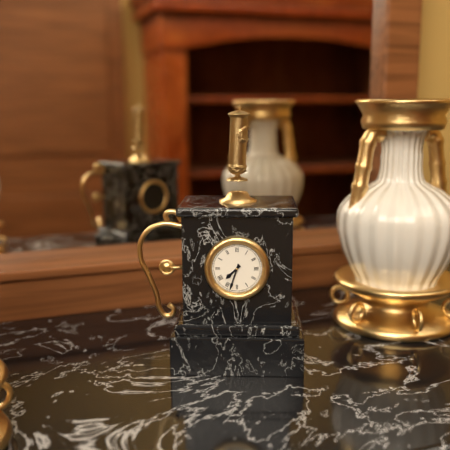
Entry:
7,33
